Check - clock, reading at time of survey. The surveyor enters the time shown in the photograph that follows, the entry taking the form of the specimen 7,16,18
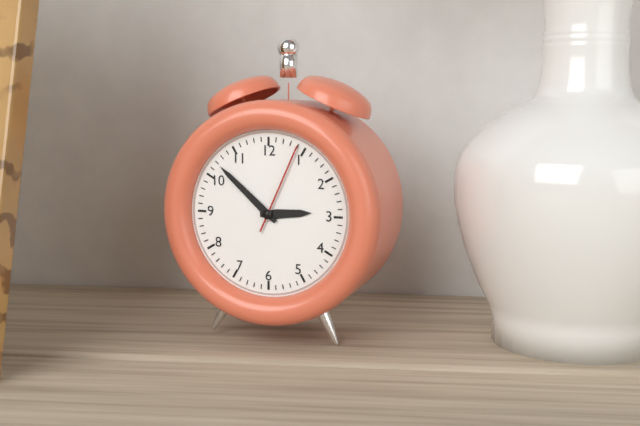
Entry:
2,52,04
